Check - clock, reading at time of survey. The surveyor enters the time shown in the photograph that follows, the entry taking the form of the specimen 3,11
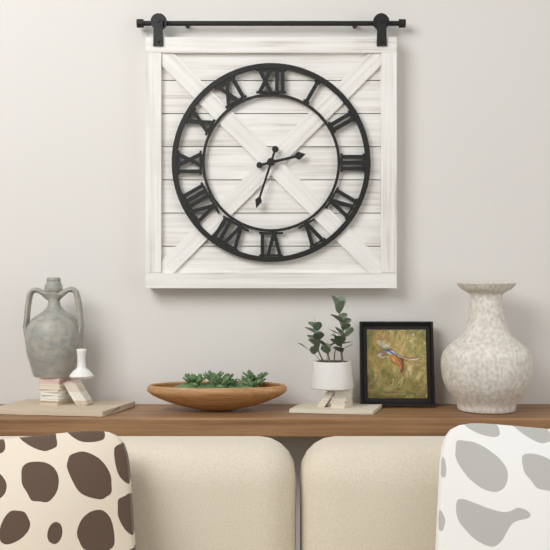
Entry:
2,33
